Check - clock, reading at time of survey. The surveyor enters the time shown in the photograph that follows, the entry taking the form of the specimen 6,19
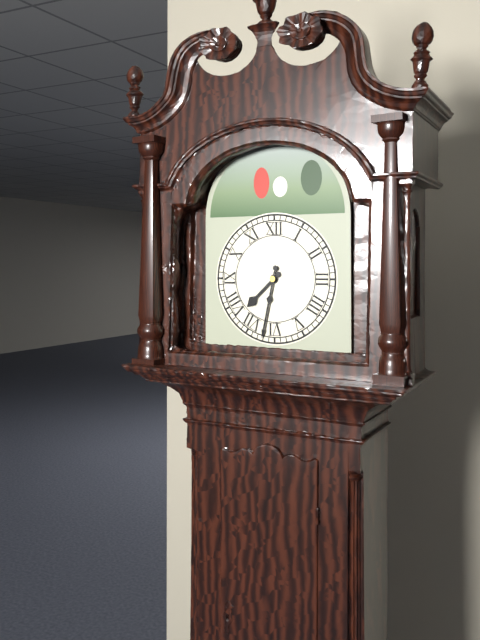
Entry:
7,32
